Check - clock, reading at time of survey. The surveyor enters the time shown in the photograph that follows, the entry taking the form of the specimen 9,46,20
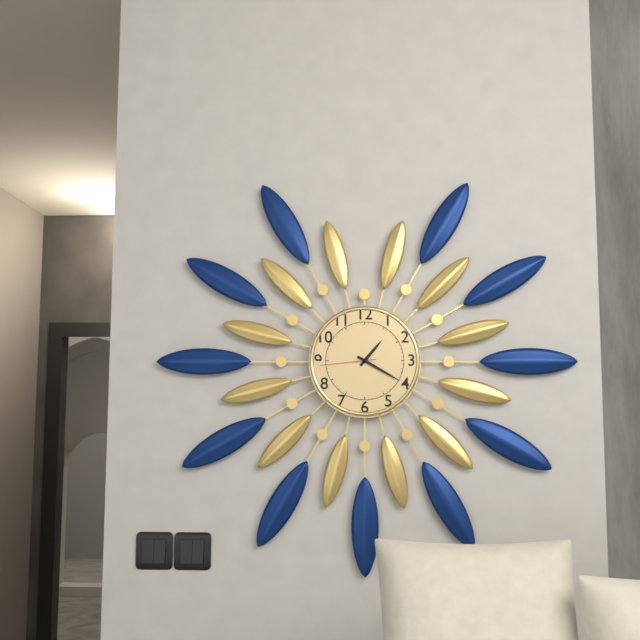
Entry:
1,20,44
